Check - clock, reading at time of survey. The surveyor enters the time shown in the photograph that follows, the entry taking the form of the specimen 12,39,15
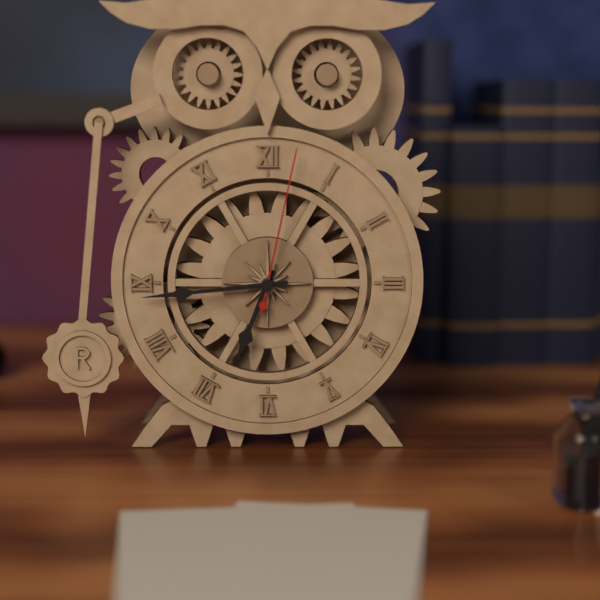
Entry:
6,44,02
